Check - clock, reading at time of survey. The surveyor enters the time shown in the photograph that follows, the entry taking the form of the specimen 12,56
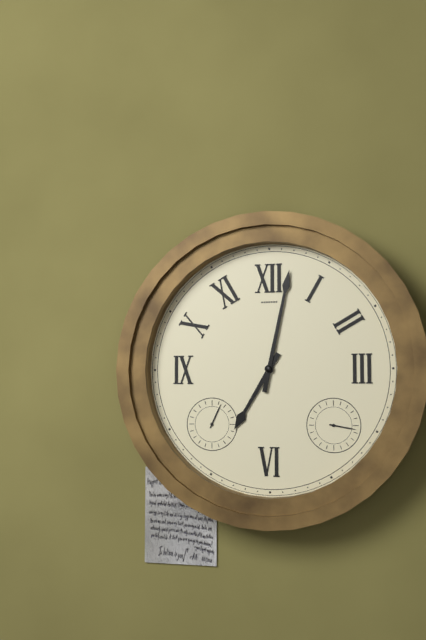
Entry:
7,02
